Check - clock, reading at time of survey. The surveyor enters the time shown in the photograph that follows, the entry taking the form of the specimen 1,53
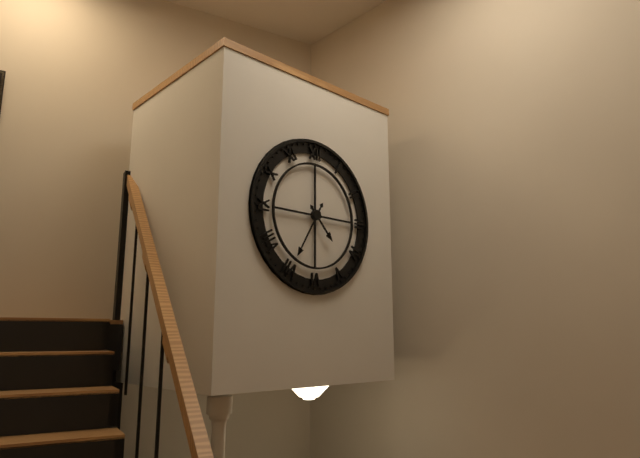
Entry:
4,35
